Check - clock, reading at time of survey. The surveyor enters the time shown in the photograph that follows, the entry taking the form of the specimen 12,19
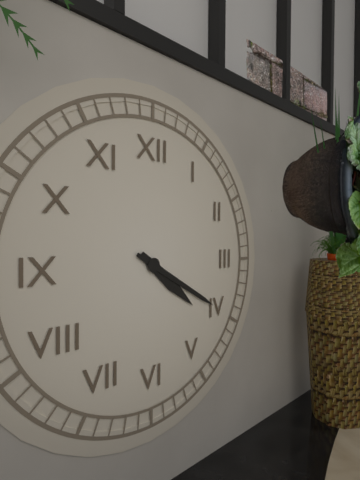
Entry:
4,20
